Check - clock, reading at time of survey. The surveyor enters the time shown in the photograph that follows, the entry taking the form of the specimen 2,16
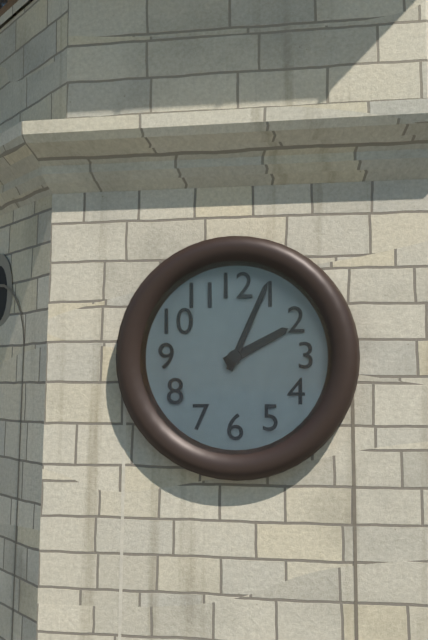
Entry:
2,04
